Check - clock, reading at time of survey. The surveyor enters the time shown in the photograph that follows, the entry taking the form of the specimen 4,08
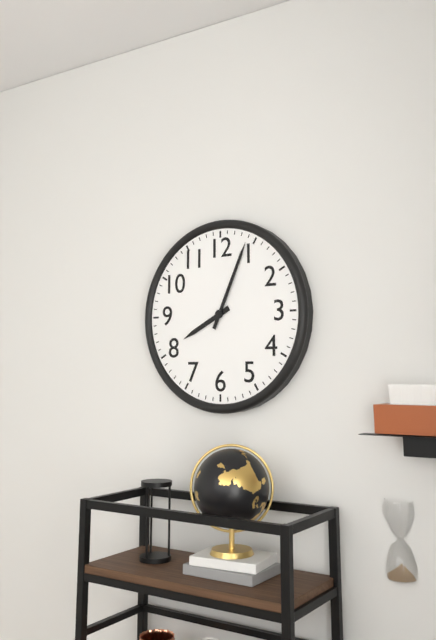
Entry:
8,04
